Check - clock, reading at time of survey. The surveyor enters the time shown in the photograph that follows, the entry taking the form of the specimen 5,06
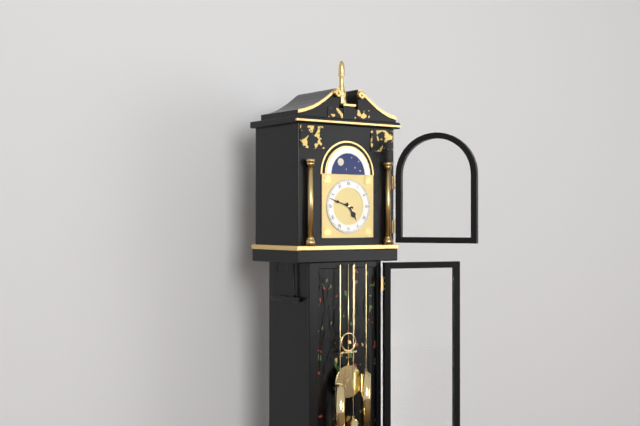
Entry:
4,48
